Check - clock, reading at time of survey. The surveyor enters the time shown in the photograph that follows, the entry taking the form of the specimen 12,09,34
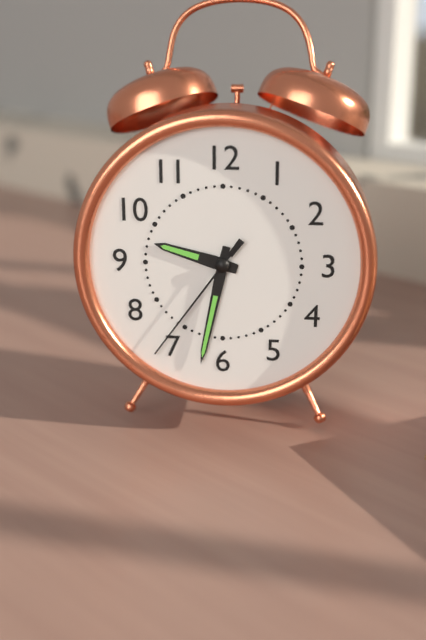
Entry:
9,32,36
